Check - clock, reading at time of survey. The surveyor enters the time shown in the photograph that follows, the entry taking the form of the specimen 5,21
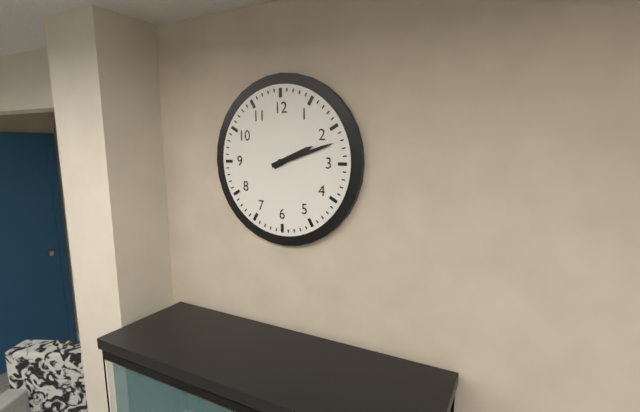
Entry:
2,12
